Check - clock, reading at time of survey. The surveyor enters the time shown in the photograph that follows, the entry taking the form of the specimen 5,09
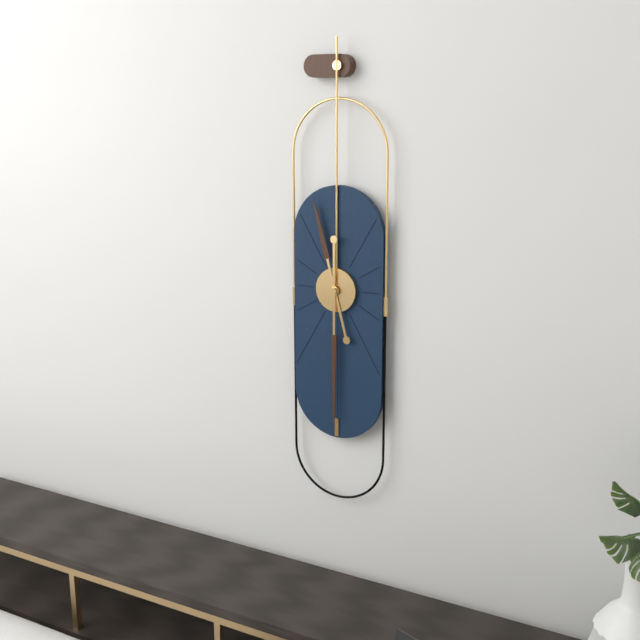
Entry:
11,30
